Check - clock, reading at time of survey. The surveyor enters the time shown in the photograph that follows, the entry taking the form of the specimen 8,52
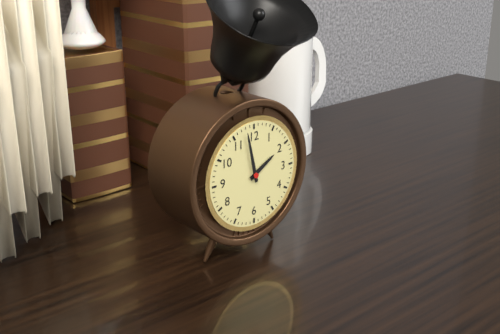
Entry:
1,58
